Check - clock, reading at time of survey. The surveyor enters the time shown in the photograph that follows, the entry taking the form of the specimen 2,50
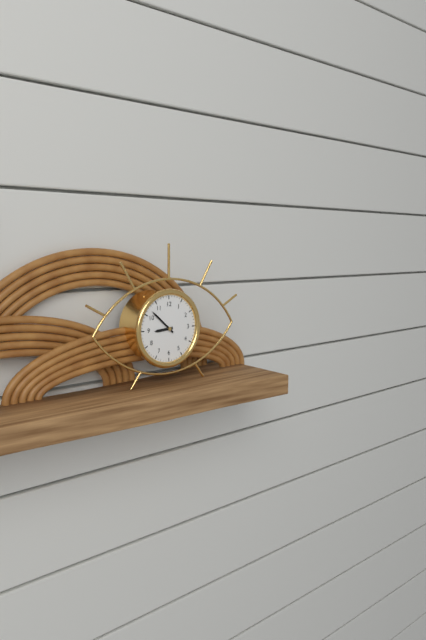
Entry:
8,52
